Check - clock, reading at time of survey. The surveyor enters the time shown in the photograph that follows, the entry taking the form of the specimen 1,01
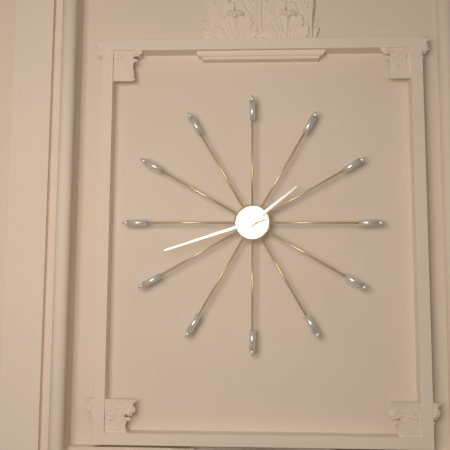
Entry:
1,42
